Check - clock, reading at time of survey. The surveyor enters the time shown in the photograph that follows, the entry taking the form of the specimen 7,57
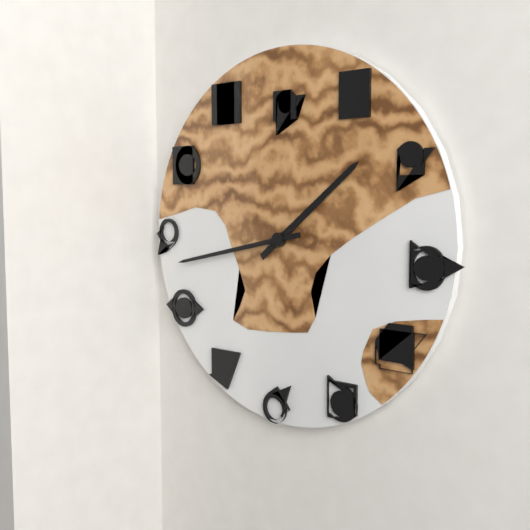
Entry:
1,43
